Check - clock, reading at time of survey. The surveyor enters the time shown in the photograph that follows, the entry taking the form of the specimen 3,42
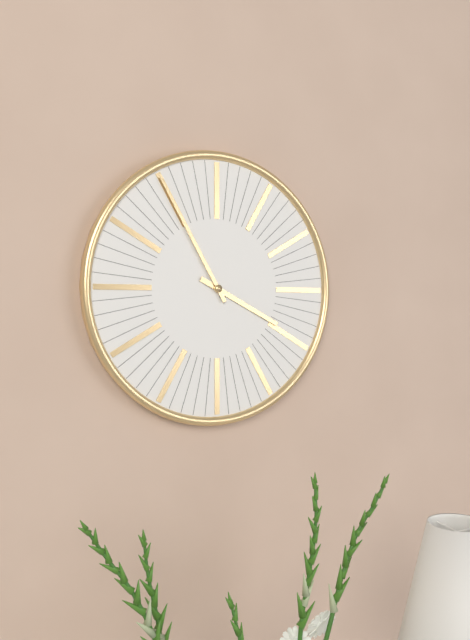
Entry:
3,55
